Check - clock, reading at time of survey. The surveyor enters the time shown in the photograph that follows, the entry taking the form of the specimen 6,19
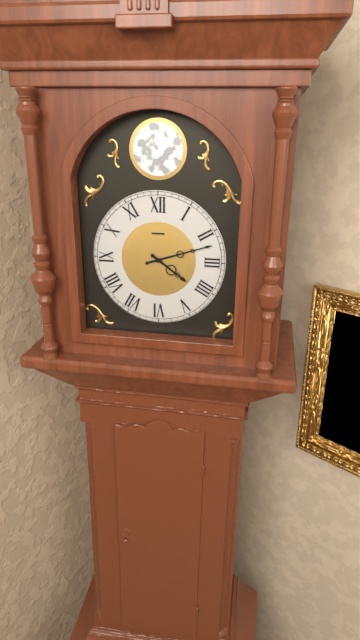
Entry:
4,12
